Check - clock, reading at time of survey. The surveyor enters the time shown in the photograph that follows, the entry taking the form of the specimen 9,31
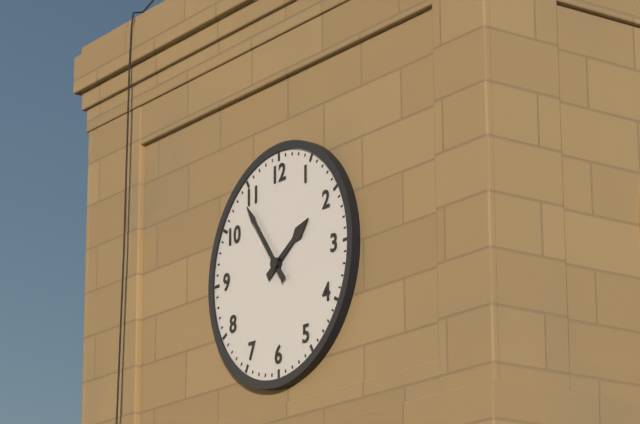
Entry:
1,54
